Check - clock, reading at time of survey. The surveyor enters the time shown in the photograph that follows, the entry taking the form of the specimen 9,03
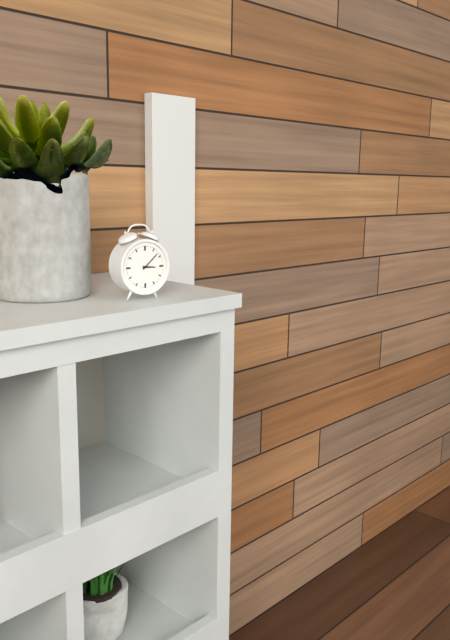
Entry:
3,08
